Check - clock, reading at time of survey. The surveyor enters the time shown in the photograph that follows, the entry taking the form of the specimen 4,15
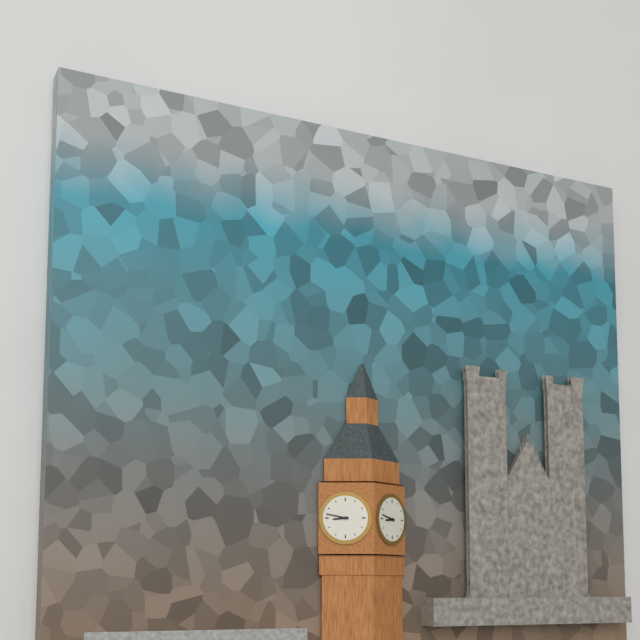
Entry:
8,47
